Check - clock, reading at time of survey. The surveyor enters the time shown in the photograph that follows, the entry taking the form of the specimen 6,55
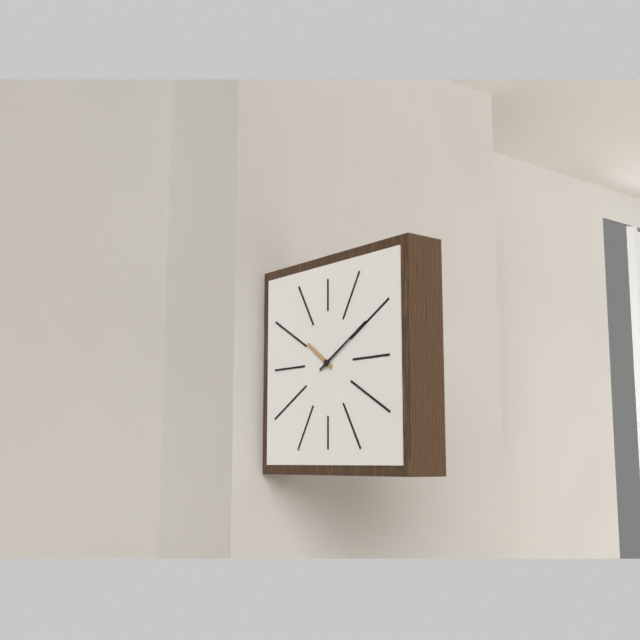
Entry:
10,10
